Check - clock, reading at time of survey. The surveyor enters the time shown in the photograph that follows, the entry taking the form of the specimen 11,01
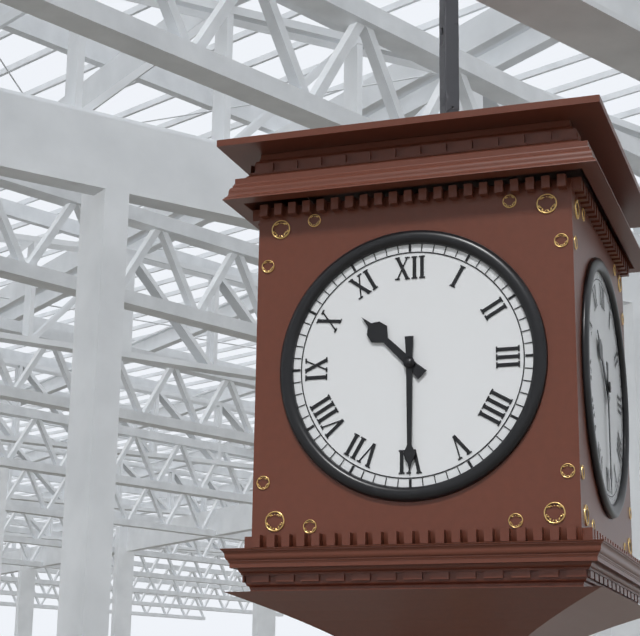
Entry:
10,30
